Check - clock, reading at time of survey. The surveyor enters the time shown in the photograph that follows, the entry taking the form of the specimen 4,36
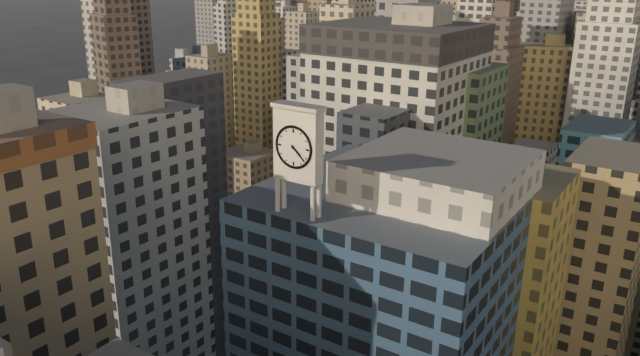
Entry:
4,22
